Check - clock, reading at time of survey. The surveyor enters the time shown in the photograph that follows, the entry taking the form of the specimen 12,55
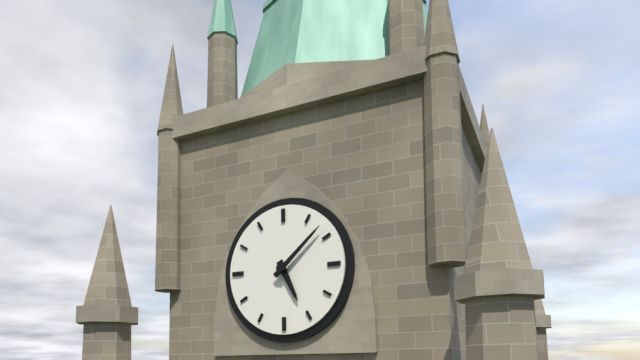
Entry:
5,08
